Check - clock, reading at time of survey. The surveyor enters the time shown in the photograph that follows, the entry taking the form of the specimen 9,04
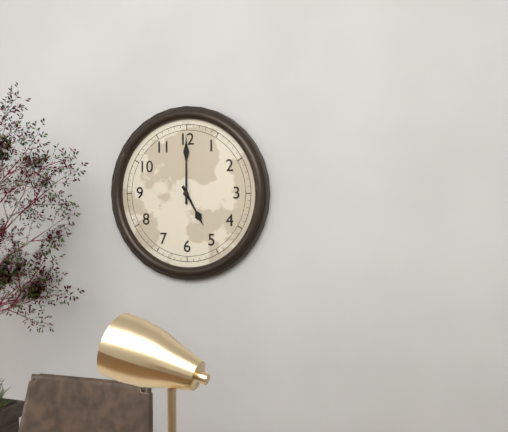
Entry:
5,00
